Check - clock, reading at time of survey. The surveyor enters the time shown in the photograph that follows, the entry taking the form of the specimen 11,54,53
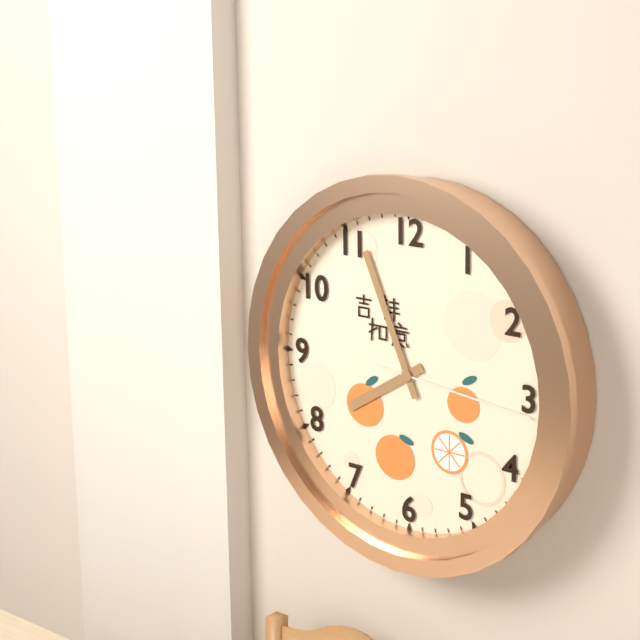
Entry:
7,56,16
